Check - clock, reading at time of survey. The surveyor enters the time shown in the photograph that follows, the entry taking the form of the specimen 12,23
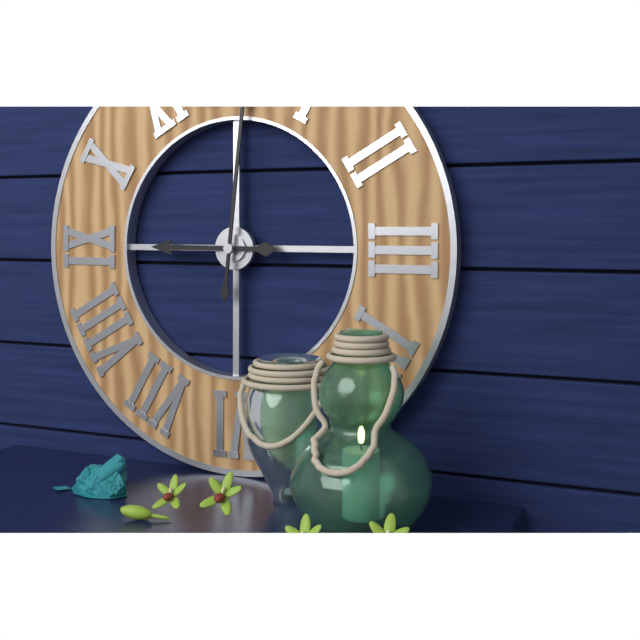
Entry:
9,01
